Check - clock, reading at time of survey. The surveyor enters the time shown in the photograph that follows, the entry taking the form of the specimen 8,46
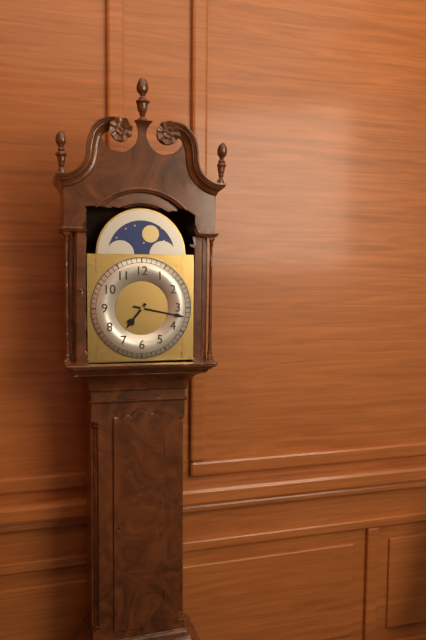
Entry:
7,17
